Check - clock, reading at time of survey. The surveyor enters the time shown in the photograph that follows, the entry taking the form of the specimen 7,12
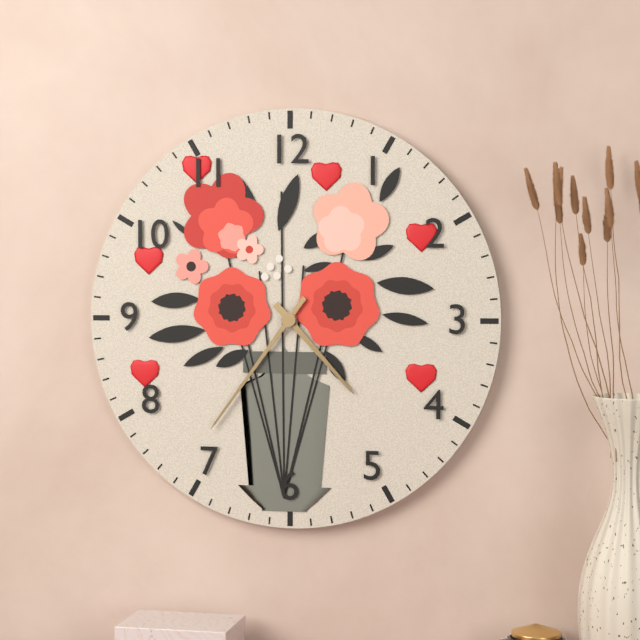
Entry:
4,36
